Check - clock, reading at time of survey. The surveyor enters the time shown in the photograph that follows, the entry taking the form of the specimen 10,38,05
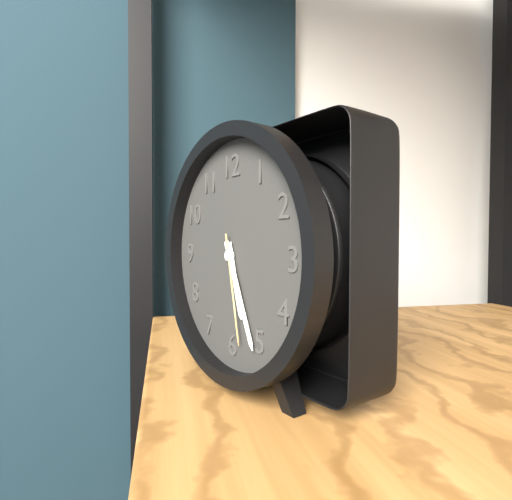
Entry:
5,26,28
